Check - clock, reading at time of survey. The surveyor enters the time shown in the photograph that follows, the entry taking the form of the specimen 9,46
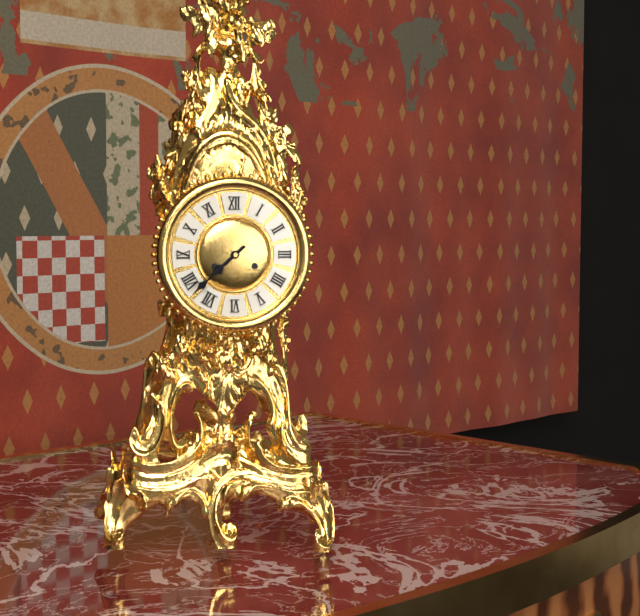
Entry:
7,38
